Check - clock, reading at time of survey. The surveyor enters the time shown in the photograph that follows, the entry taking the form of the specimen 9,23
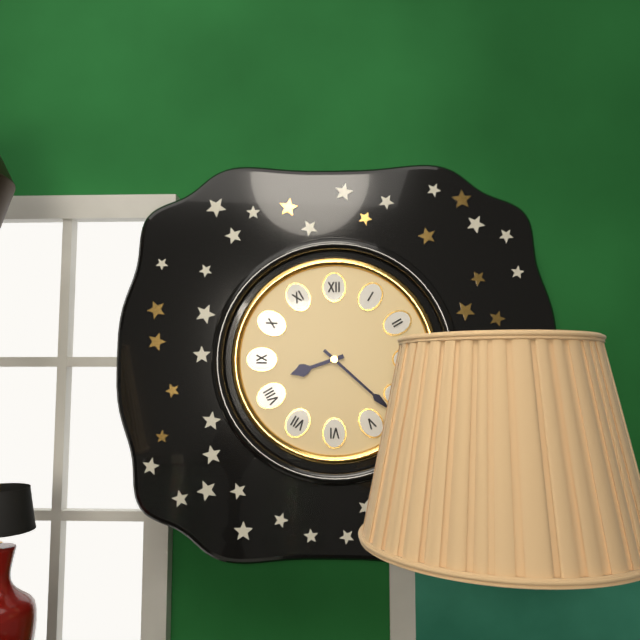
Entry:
8,22
